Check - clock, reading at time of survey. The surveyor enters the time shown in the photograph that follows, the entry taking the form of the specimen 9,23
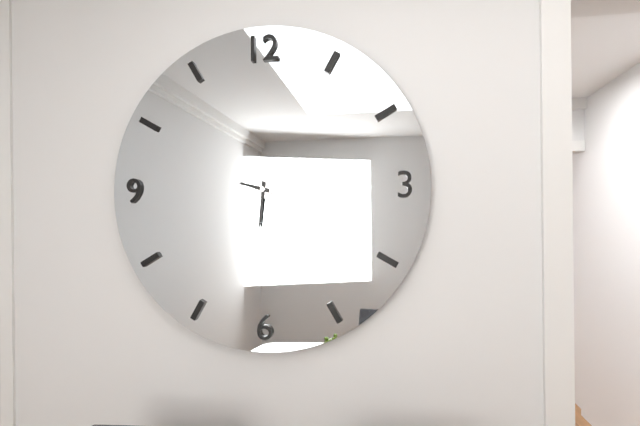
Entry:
9,31
